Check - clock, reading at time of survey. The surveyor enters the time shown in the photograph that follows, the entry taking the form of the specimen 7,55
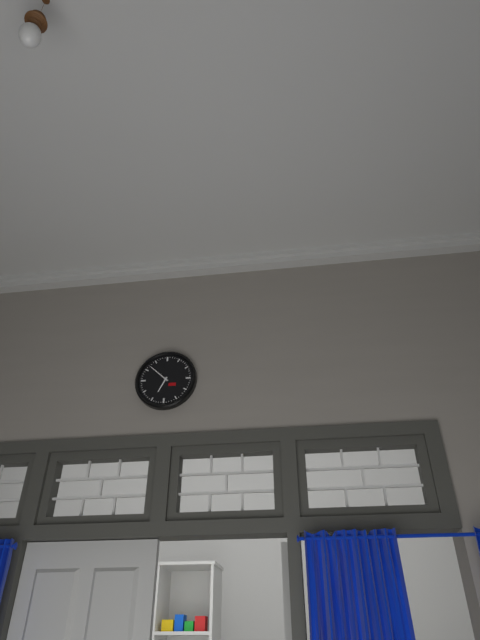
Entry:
6,52
